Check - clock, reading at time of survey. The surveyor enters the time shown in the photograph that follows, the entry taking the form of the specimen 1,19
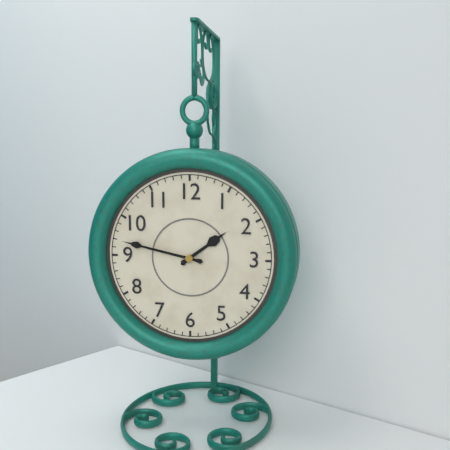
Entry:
1,47
